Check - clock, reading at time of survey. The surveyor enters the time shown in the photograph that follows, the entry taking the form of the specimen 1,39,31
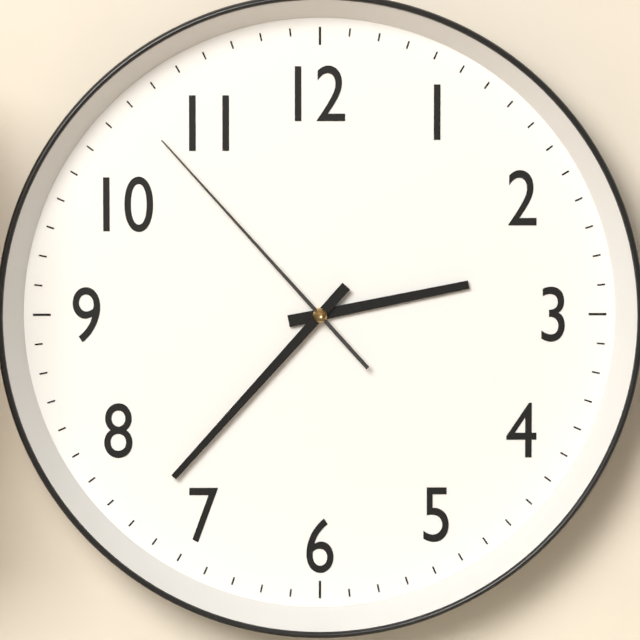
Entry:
2,37,53
